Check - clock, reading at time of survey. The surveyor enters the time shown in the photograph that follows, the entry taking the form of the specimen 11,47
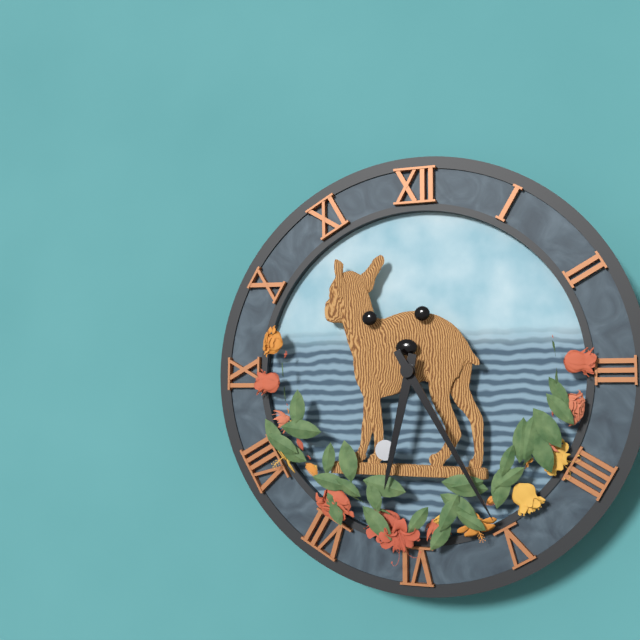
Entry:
6,25
